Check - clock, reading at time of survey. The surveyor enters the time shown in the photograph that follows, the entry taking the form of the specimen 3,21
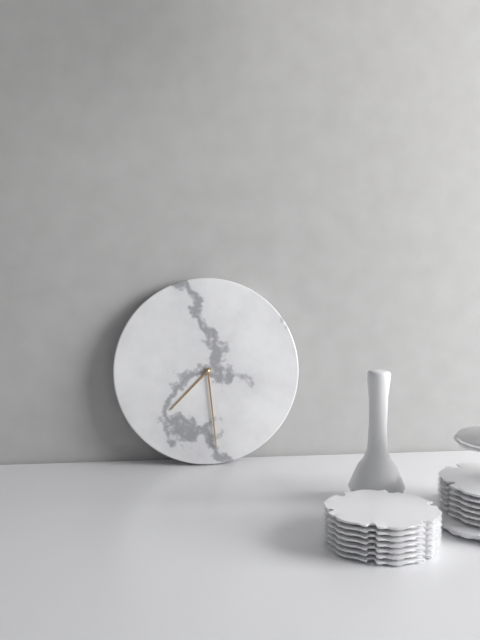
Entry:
7,29
